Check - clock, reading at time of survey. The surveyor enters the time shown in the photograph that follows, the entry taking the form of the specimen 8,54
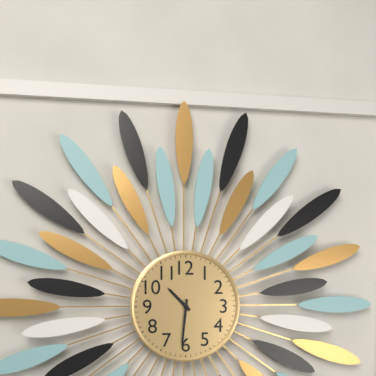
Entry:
10,31
